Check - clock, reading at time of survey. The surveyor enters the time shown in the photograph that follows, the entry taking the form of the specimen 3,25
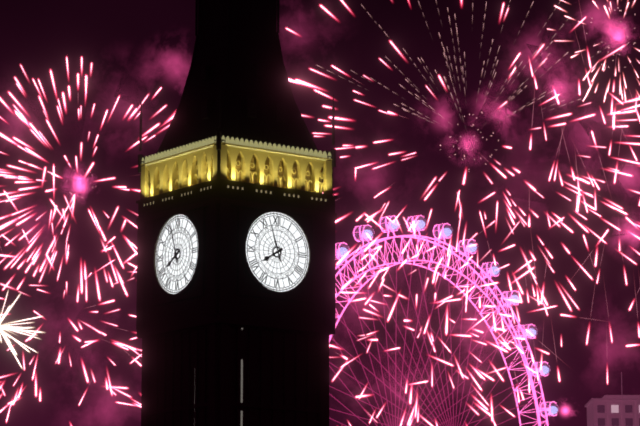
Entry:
7,57
